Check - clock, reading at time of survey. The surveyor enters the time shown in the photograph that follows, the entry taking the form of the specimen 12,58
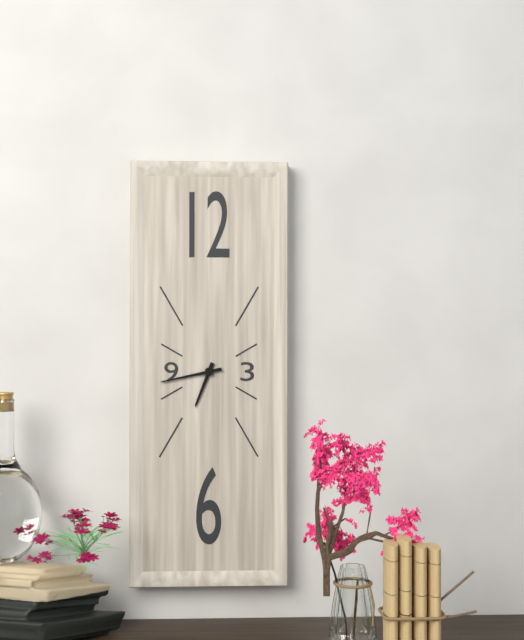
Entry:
6,43
